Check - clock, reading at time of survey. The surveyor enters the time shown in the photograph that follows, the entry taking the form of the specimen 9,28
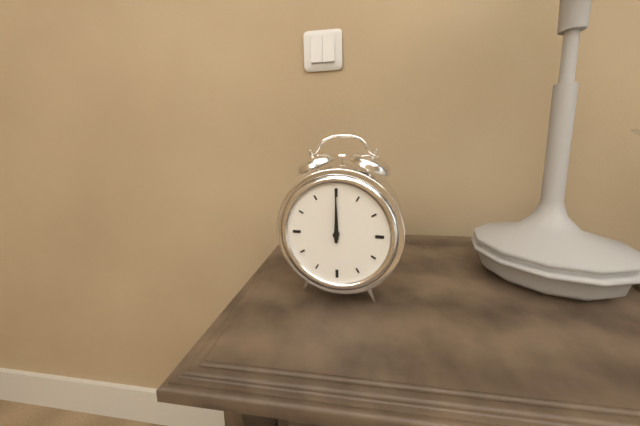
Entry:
12,00
